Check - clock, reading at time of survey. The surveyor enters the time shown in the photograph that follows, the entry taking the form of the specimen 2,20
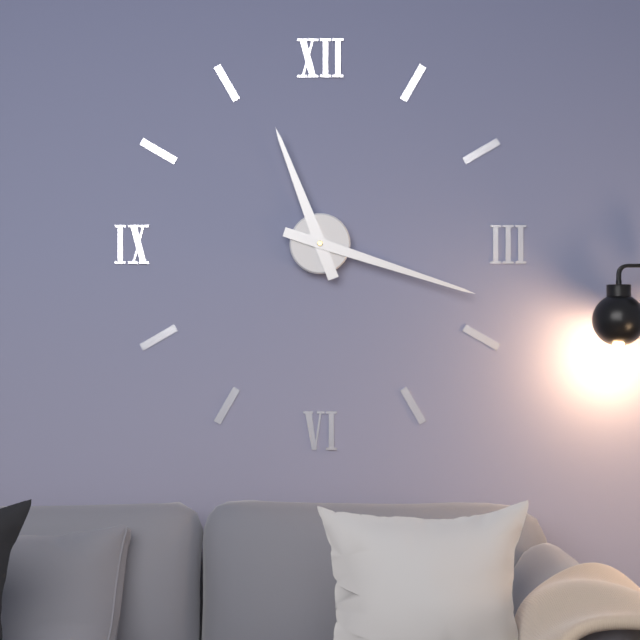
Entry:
11,18
